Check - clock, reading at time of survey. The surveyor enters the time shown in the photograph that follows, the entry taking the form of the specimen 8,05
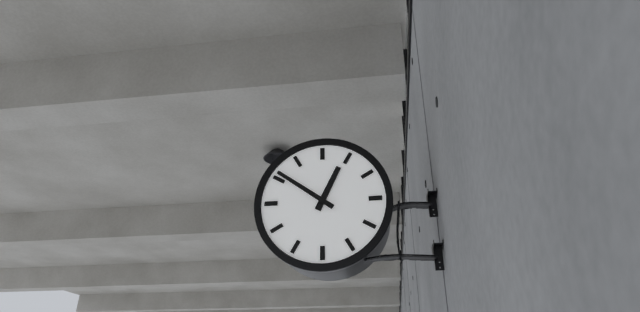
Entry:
12,51
